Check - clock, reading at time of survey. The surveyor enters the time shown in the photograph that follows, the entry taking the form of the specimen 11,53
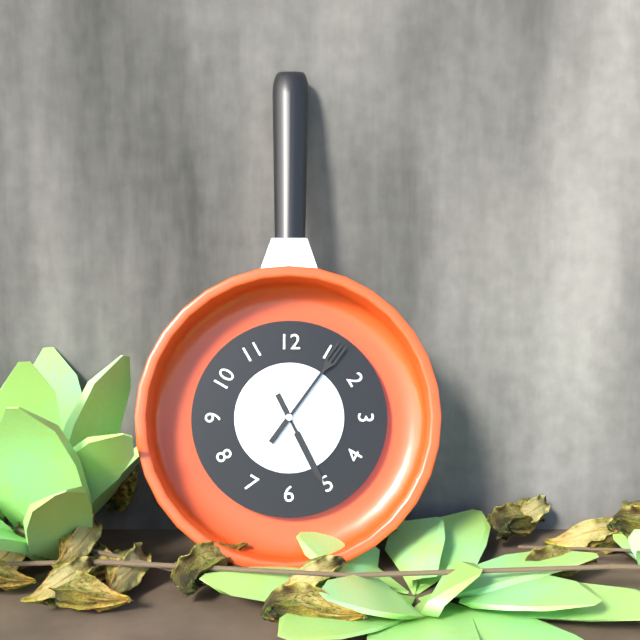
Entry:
5,06
